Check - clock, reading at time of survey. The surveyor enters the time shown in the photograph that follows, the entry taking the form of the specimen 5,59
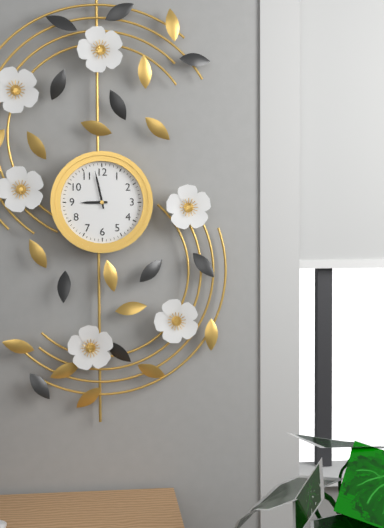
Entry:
8,58
